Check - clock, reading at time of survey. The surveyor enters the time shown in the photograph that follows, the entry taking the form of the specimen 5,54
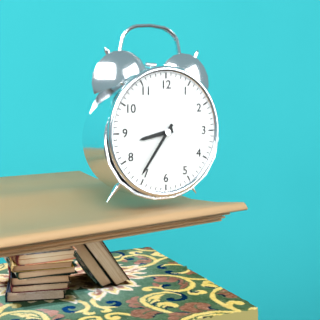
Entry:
8,36
